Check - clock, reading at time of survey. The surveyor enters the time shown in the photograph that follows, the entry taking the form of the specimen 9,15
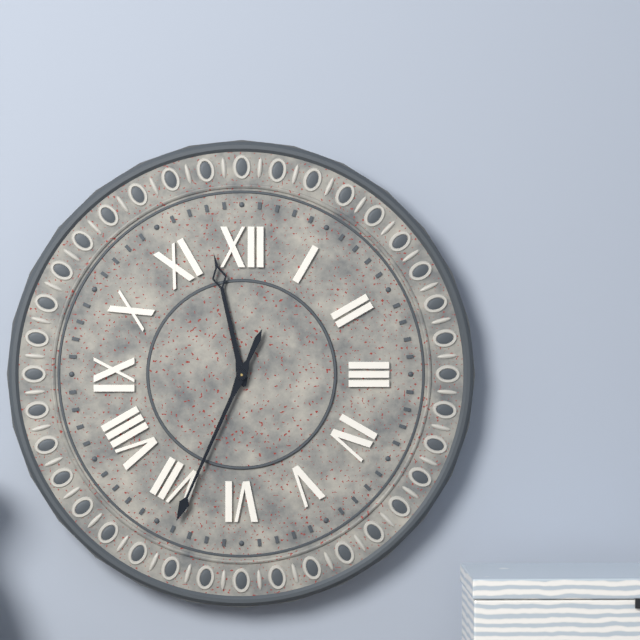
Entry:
11,34
